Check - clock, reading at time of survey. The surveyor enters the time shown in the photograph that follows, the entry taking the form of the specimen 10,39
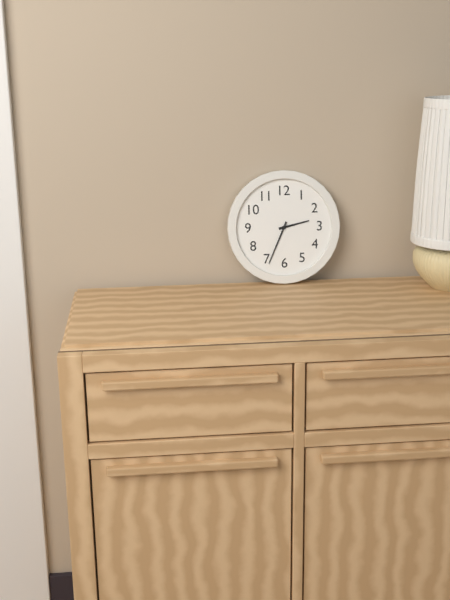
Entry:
2,34
